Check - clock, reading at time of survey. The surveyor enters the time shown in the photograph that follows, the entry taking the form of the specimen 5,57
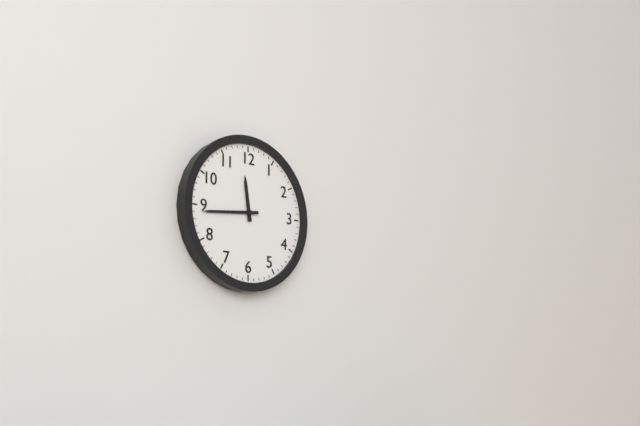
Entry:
11,44
